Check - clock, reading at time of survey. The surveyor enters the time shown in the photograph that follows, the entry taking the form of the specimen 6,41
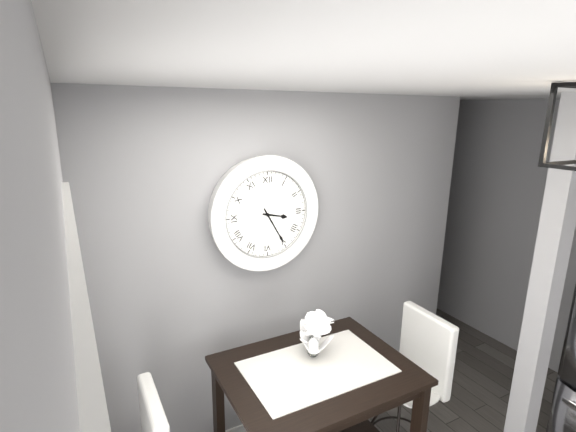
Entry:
3,25
